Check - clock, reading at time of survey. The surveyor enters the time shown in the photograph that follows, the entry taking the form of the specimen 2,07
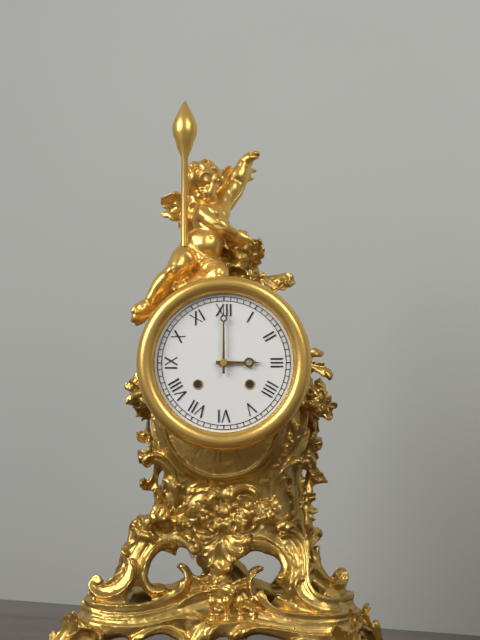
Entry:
3,00
